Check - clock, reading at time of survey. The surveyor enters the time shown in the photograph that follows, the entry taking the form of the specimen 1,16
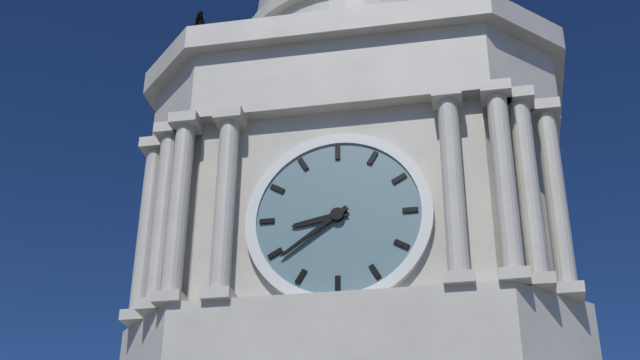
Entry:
8,39
